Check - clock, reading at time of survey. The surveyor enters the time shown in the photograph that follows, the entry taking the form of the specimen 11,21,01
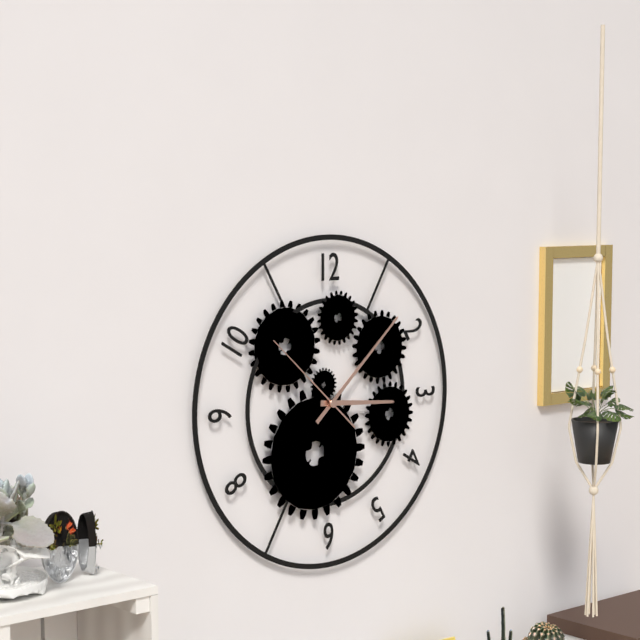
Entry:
3,08,52
